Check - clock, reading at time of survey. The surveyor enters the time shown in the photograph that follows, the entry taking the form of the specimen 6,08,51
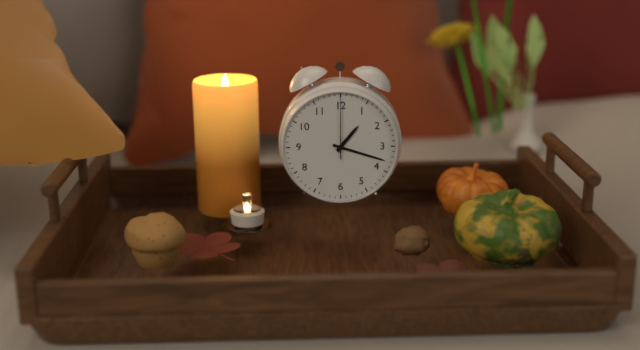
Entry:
1,18,00
